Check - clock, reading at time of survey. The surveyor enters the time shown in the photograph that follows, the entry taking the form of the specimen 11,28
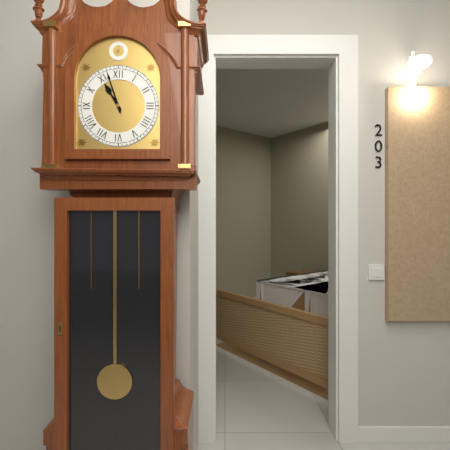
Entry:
10,57
